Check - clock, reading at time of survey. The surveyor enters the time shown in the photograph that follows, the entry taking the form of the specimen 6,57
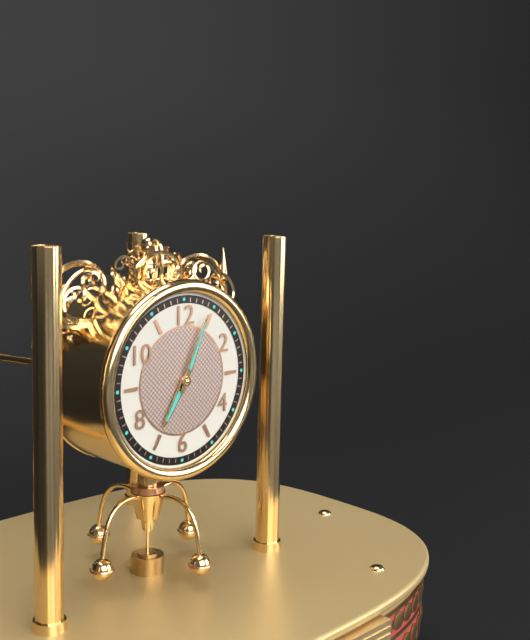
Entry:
7,04
